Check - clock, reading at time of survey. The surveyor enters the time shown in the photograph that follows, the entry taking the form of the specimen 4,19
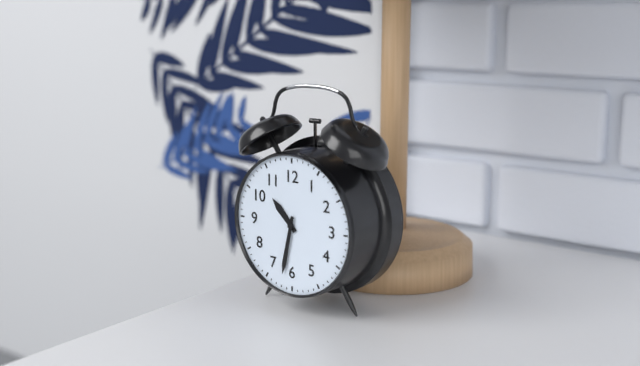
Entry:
10,32
